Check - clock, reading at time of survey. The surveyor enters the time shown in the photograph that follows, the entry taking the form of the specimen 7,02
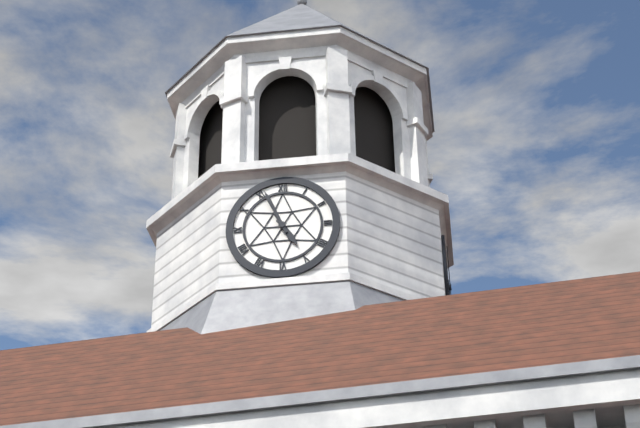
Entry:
4,56
